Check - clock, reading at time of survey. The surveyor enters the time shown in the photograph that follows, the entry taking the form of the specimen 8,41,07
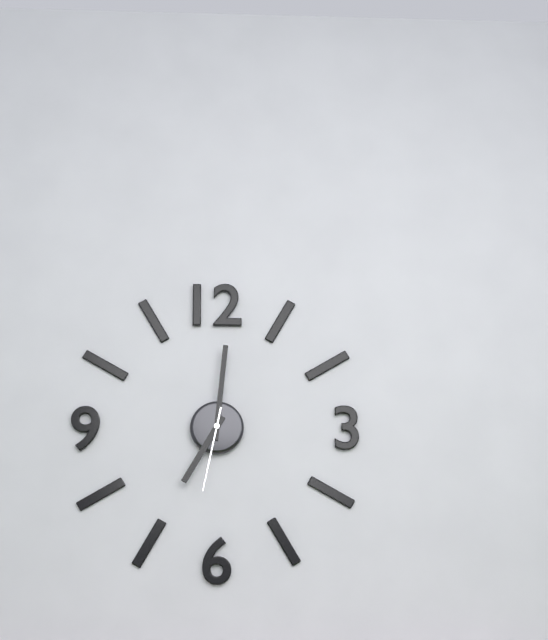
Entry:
7,01,32
